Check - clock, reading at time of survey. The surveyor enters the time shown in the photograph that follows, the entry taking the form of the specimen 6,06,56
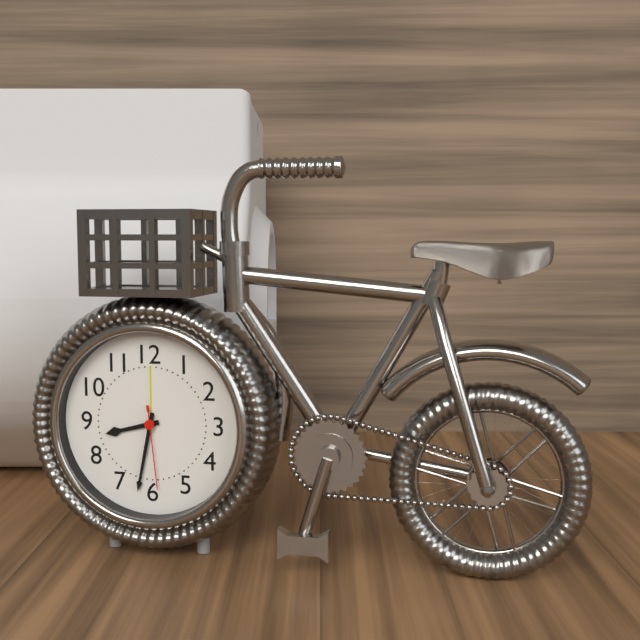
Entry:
8,32,29
